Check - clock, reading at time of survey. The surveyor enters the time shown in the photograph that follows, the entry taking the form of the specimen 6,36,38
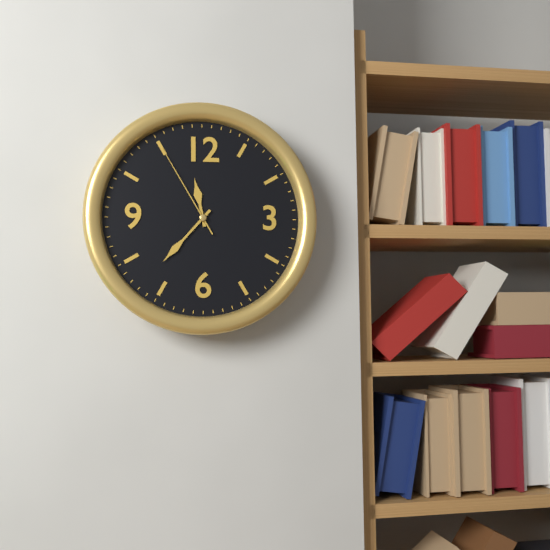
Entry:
11,37,55
